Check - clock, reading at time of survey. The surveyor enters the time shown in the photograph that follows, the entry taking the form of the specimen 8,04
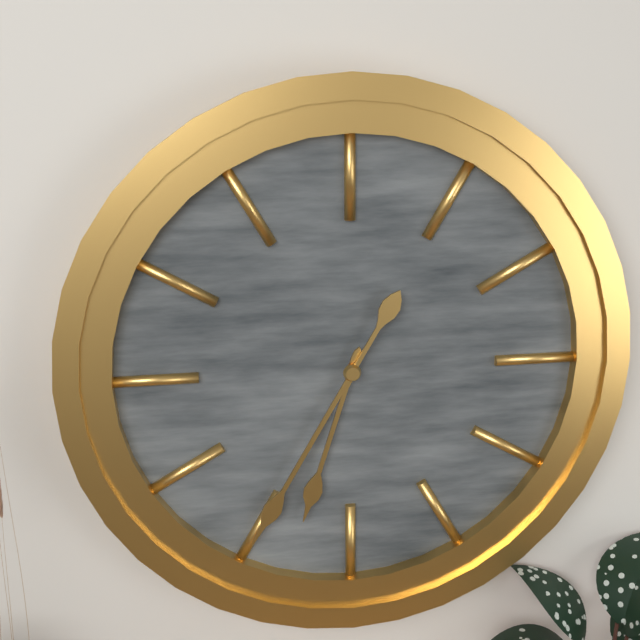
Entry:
6,35
